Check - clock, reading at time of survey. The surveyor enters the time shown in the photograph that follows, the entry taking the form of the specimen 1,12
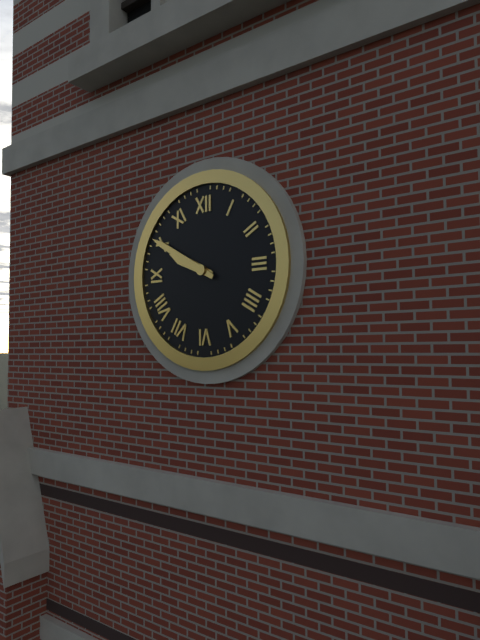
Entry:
9,50
